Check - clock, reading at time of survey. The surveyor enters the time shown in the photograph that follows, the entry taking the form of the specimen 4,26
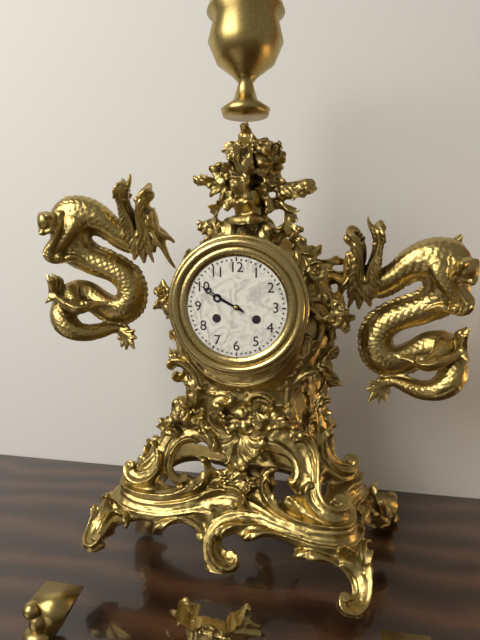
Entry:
9,50
